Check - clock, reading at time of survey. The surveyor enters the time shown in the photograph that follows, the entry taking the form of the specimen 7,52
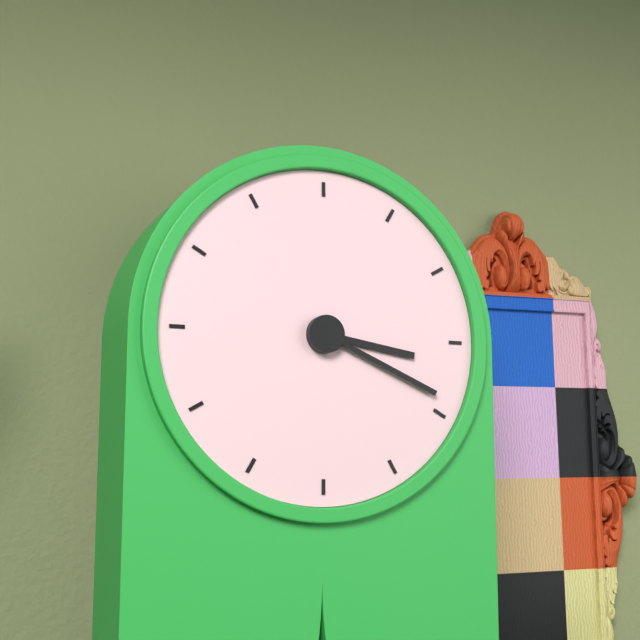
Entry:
3,19
